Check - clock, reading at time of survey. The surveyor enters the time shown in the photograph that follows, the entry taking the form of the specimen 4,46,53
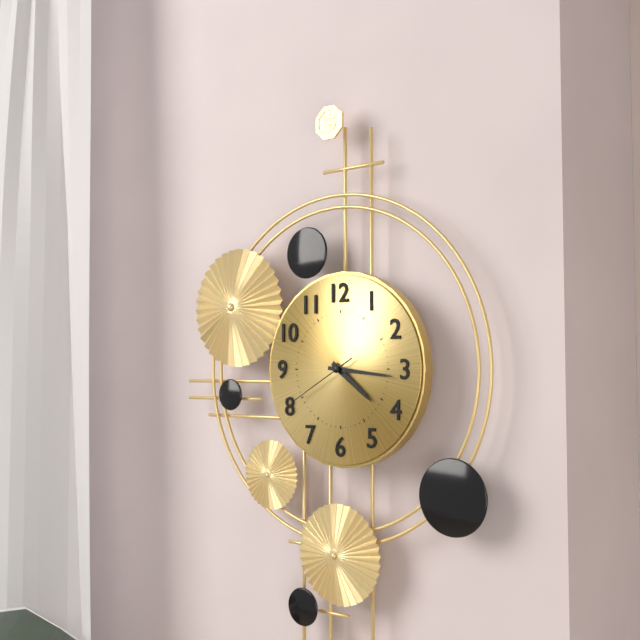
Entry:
4,16,40
